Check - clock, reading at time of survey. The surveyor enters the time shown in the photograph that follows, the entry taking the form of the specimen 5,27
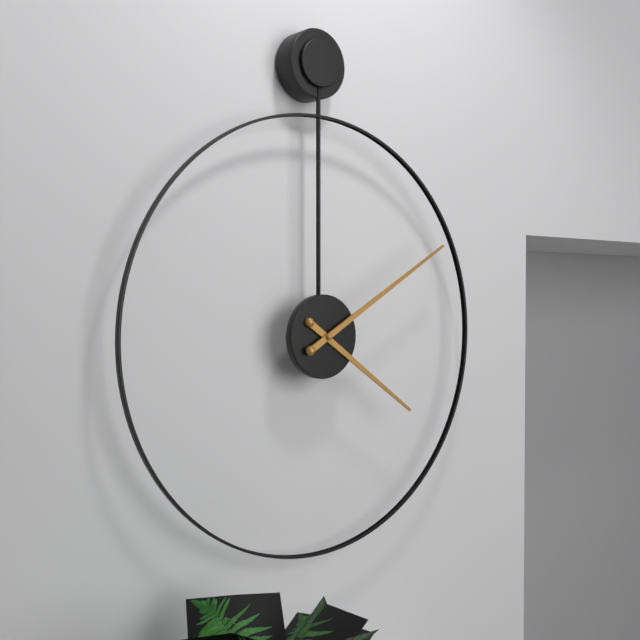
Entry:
4,10
